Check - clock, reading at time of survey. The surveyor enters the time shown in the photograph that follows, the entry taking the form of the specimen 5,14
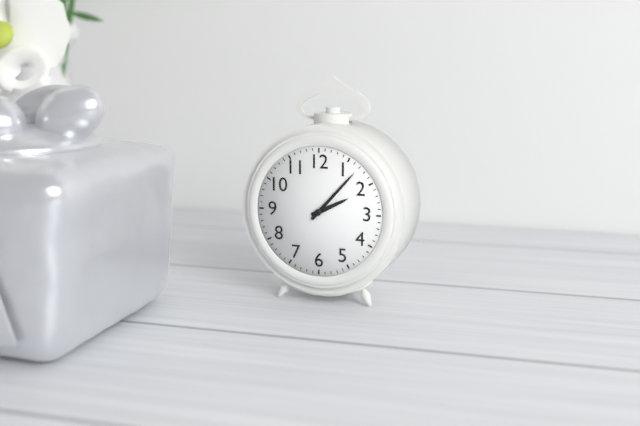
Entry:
2,07
